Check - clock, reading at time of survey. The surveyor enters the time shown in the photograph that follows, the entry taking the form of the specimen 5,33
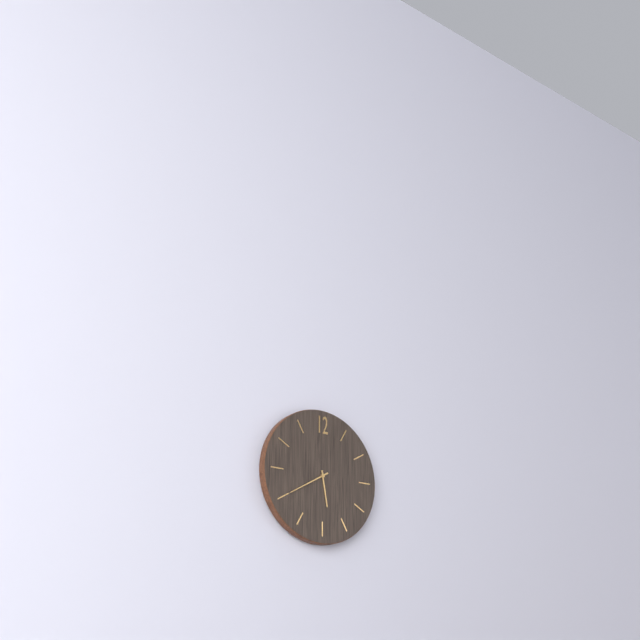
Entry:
5,40
